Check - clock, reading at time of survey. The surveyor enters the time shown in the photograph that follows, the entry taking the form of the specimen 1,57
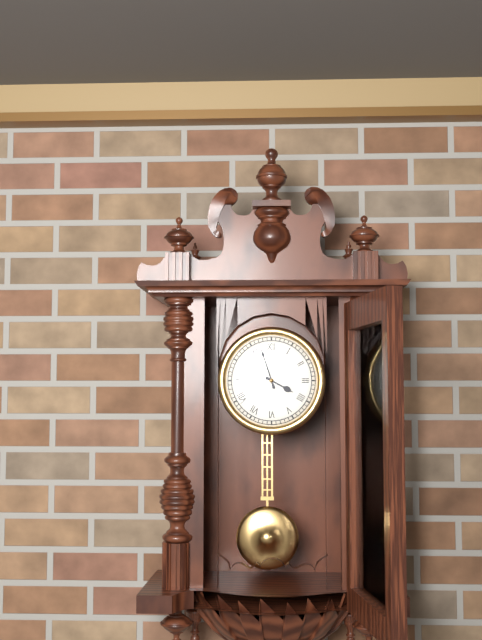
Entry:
3,57
